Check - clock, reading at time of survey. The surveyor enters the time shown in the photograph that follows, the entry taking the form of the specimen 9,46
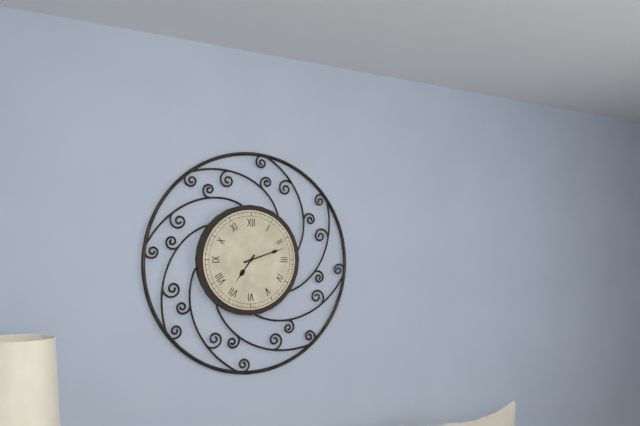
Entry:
7,12
